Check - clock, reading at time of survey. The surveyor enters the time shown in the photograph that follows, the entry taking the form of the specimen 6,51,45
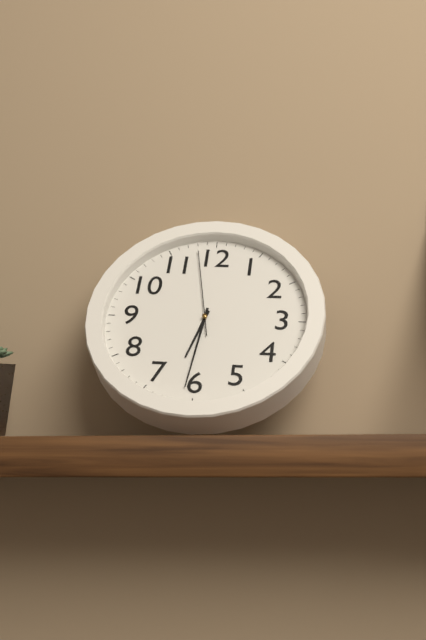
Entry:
6,31,58
